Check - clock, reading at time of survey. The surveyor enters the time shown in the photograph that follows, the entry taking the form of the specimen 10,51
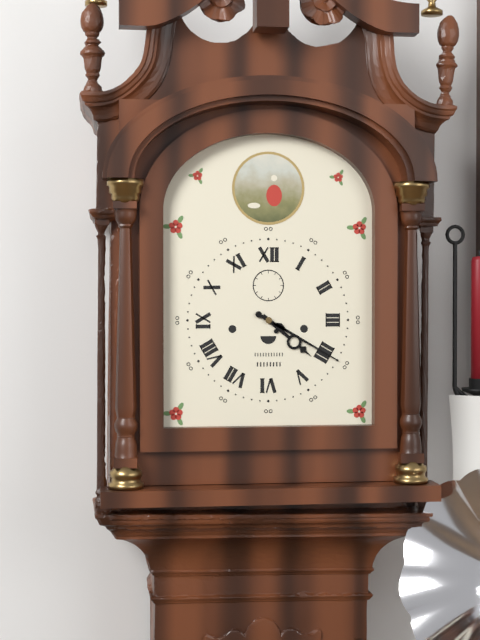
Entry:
4,20
